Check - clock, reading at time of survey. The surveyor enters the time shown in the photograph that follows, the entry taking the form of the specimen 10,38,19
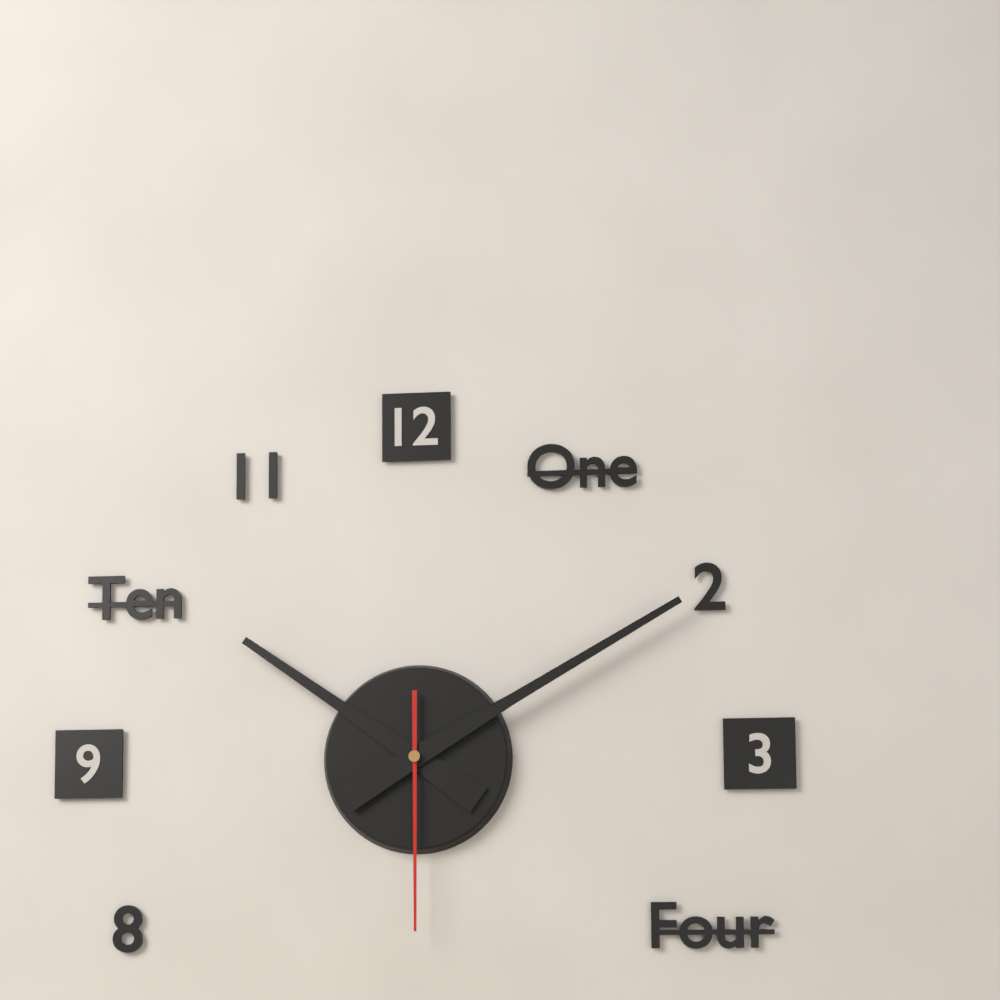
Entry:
10,10,30
